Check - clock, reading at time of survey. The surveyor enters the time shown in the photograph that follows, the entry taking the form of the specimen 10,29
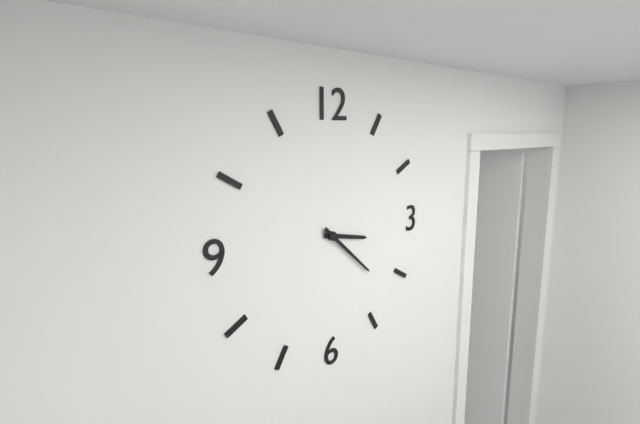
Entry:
3,22
